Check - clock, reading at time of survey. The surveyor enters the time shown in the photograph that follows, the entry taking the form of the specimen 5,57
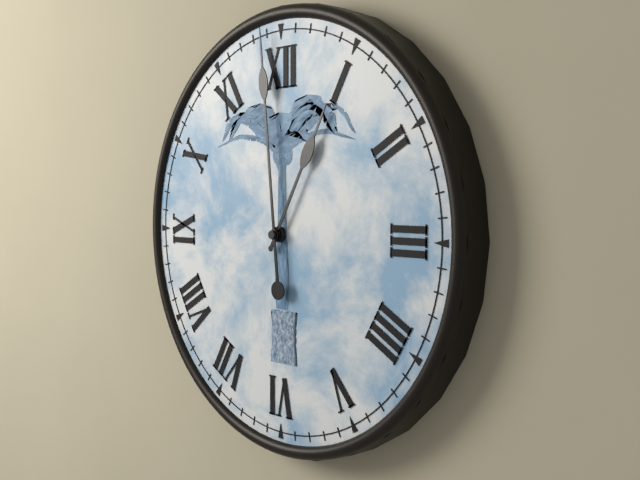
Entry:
12,59
